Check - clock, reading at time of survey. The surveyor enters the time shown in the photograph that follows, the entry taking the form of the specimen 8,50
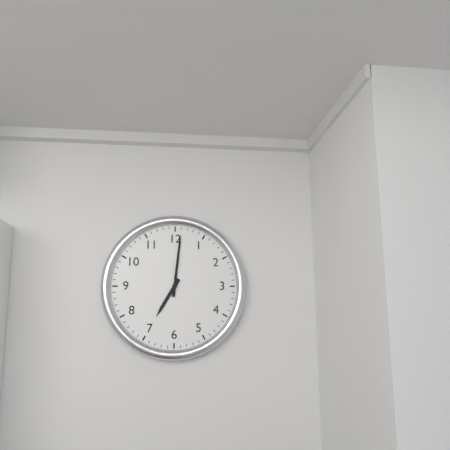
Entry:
7,01
